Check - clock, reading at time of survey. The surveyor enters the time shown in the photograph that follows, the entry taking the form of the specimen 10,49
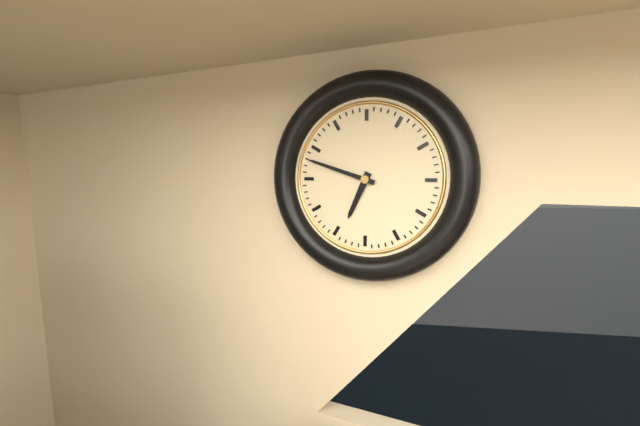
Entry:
6,48
